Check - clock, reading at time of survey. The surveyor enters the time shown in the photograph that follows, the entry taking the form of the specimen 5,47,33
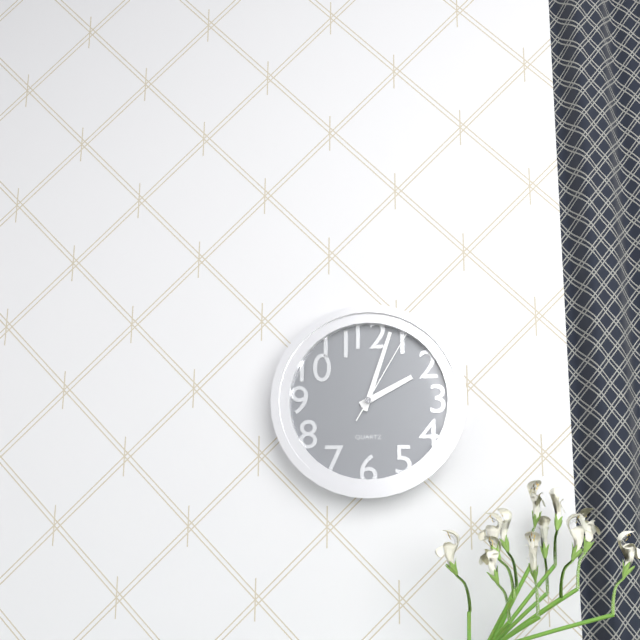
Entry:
2,03,05
